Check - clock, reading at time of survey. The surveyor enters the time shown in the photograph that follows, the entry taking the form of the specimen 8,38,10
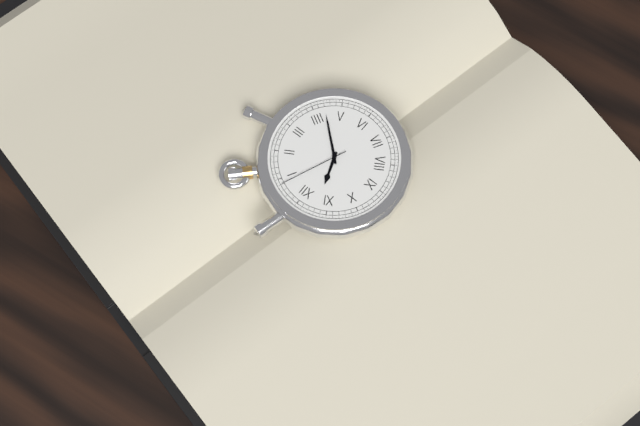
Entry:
11,22,04
